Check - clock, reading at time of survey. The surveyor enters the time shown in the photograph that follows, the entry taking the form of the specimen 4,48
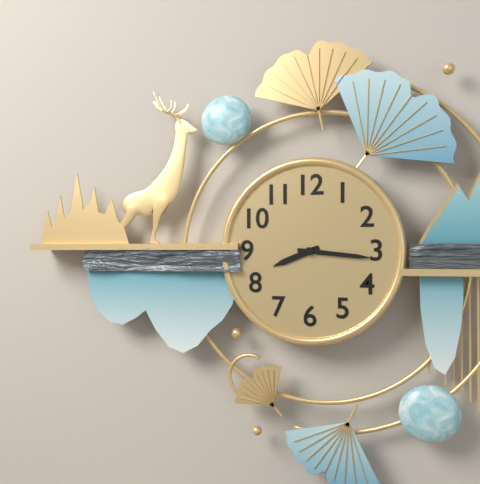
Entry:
8,16
